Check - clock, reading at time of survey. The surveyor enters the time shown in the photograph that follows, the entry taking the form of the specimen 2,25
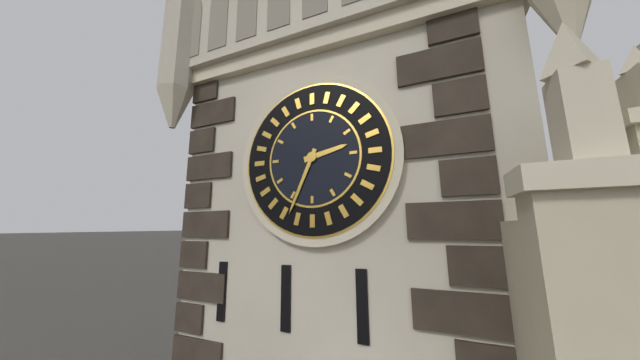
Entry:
2,34
